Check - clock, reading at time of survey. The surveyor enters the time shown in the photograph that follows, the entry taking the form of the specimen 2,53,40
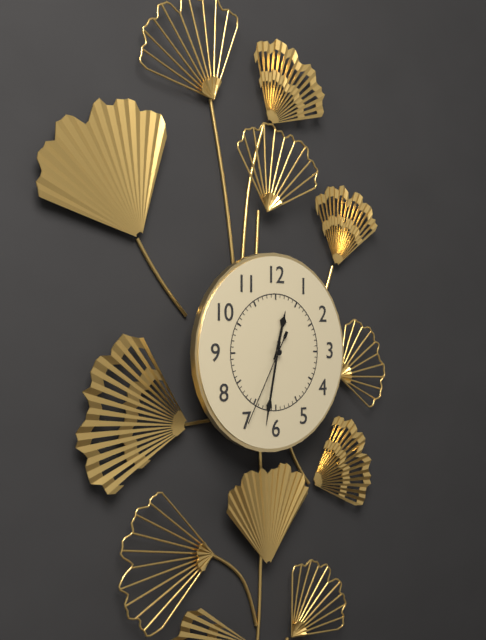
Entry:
12,32,35
